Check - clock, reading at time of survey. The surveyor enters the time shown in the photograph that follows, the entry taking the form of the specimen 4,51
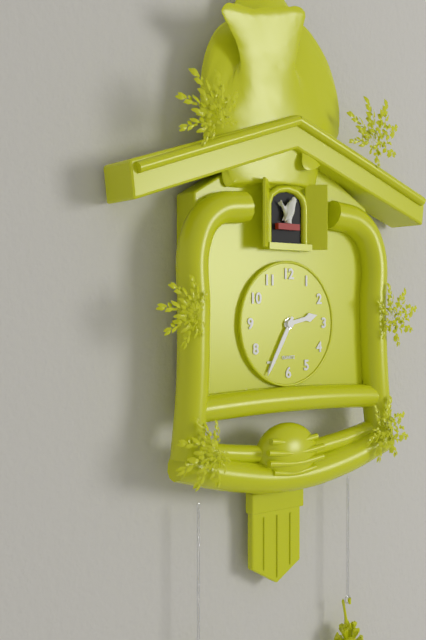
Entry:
2,35
